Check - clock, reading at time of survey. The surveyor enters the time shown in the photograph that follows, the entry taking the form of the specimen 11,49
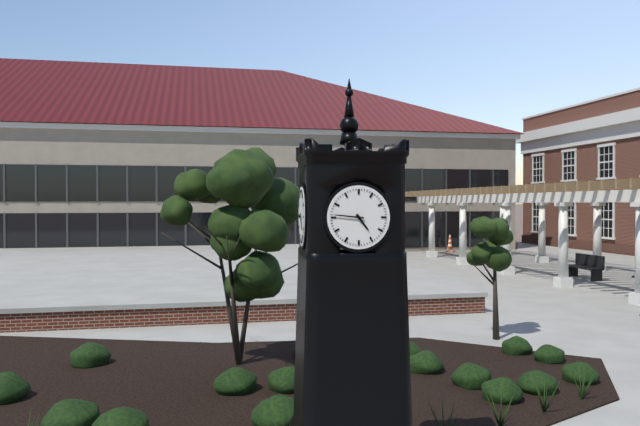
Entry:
4,46
